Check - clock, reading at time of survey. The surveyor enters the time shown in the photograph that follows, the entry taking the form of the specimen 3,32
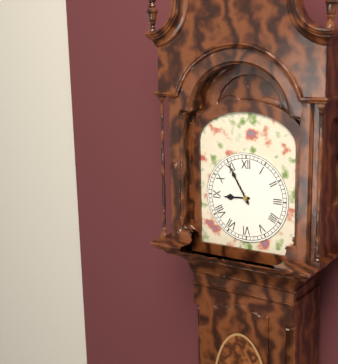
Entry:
8,55
